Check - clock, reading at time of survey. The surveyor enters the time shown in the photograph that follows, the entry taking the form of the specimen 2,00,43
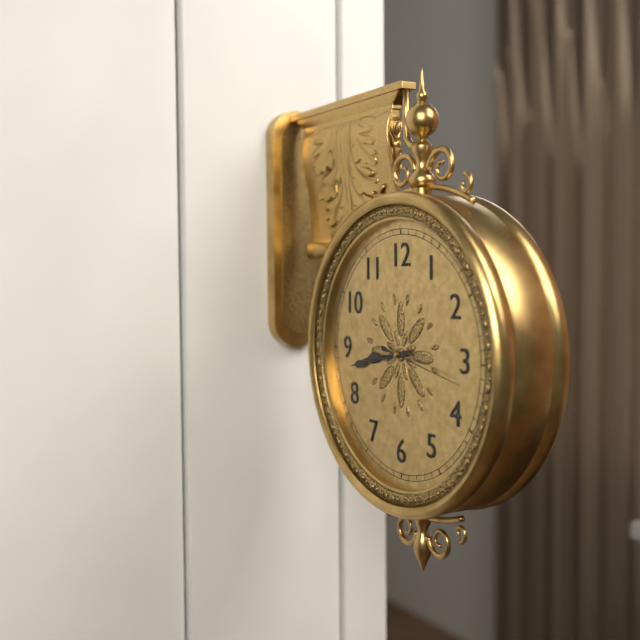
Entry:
8,43,17
